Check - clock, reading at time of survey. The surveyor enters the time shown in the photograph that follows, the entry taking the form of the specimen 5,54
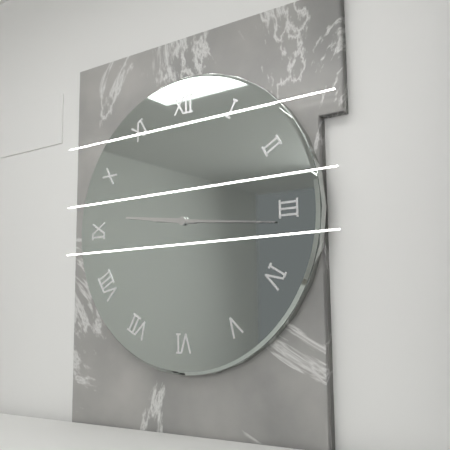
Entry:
9,16
